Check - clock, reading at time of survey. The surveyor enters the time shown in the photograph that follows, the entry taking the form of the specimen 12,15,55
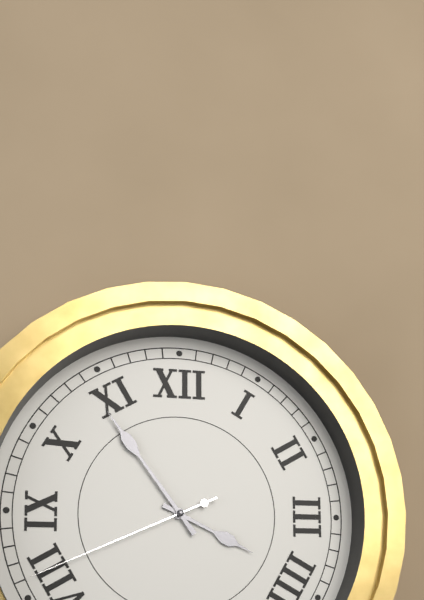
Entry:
3,54,41
